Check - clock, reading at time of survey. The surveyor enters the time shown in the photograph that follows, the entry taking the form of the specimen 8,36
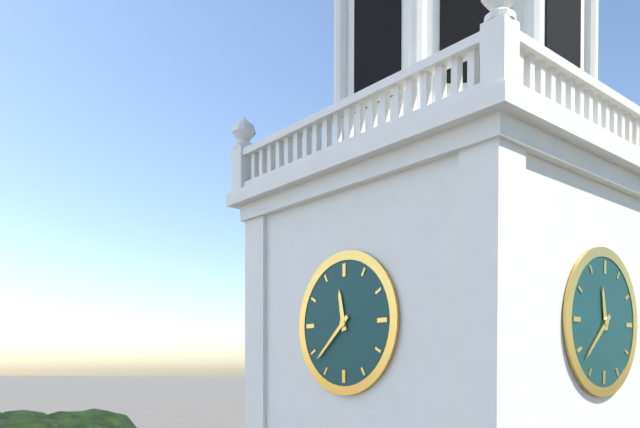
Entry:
11,38
